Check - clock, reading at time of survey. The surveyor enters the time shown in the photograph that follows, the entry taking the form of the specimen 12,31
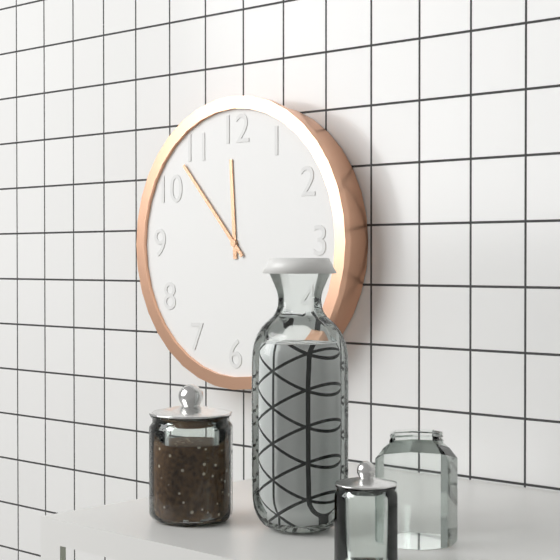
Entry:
11,53
